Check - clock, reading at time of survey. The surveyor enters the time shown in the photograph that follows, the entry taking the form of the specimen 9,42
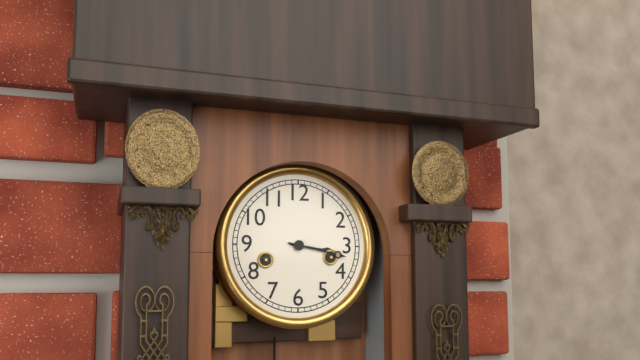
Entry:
3,17
